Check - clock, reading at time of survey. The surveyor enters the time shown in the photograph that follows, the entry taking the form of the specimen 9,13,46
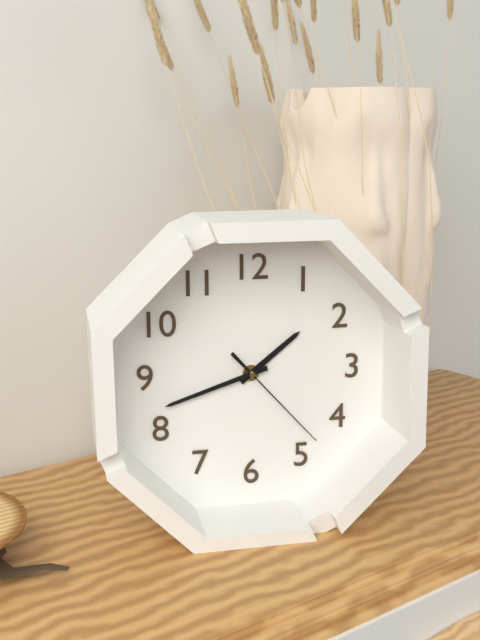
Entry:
1,42,23
